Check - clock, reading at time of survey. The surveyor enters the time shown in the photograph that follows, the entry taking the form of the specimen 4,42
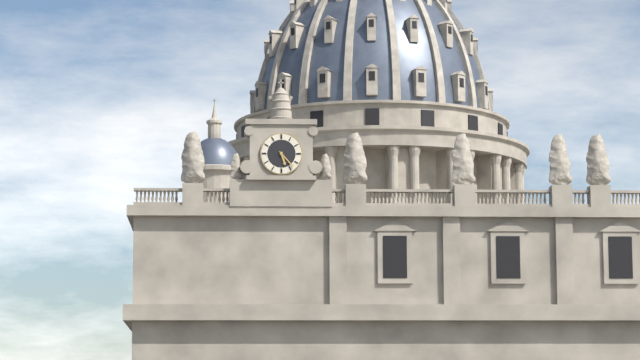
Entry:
5,23
